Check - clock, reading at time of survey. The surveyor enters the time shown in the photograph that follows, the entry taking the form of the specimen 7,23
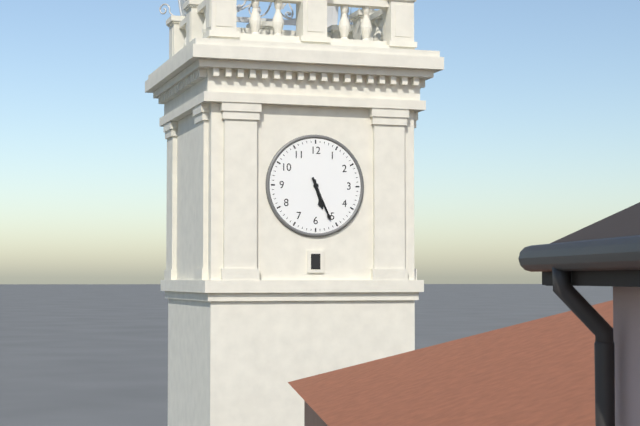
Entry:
5,26
